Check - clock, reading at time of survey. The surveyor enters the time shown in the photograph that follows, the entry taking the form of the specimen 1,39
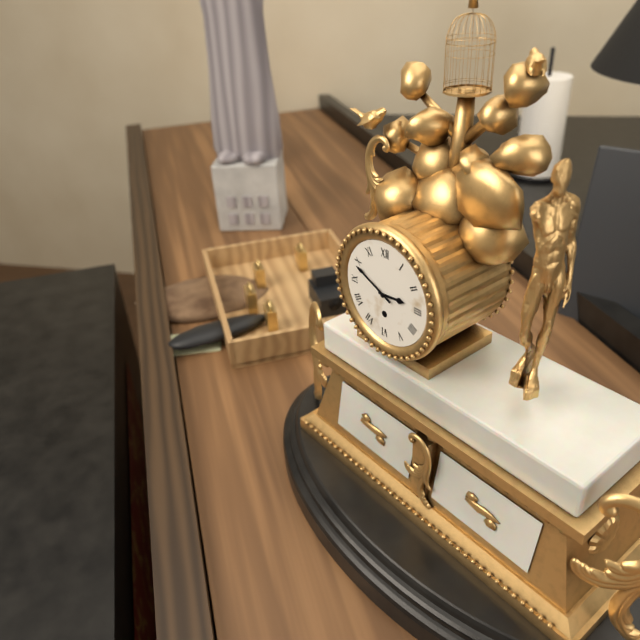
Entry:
2,49
